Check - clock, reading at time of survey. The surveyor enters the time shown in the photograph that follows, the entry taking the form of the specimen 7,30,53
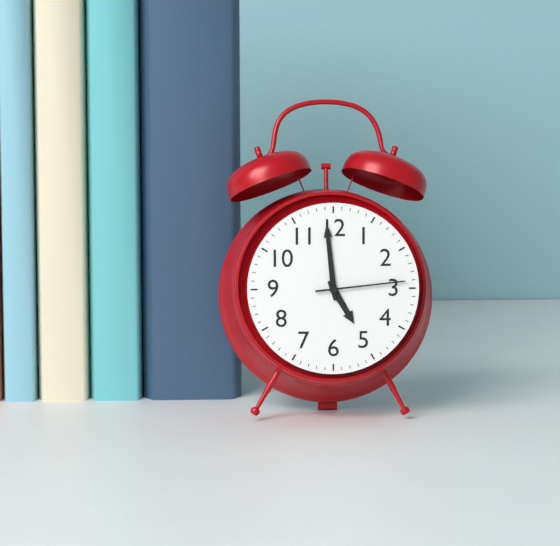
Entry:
4,59,14
